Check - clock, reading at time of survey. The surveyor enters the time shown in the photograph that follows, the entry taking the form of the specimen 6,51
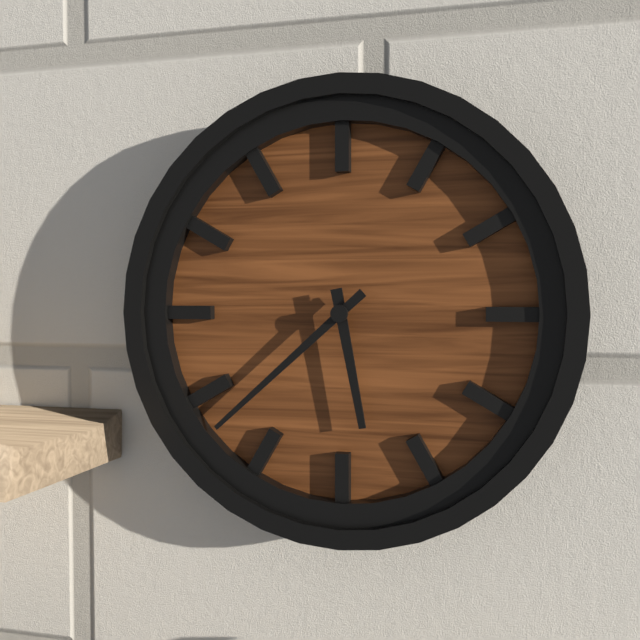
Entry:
5,38
